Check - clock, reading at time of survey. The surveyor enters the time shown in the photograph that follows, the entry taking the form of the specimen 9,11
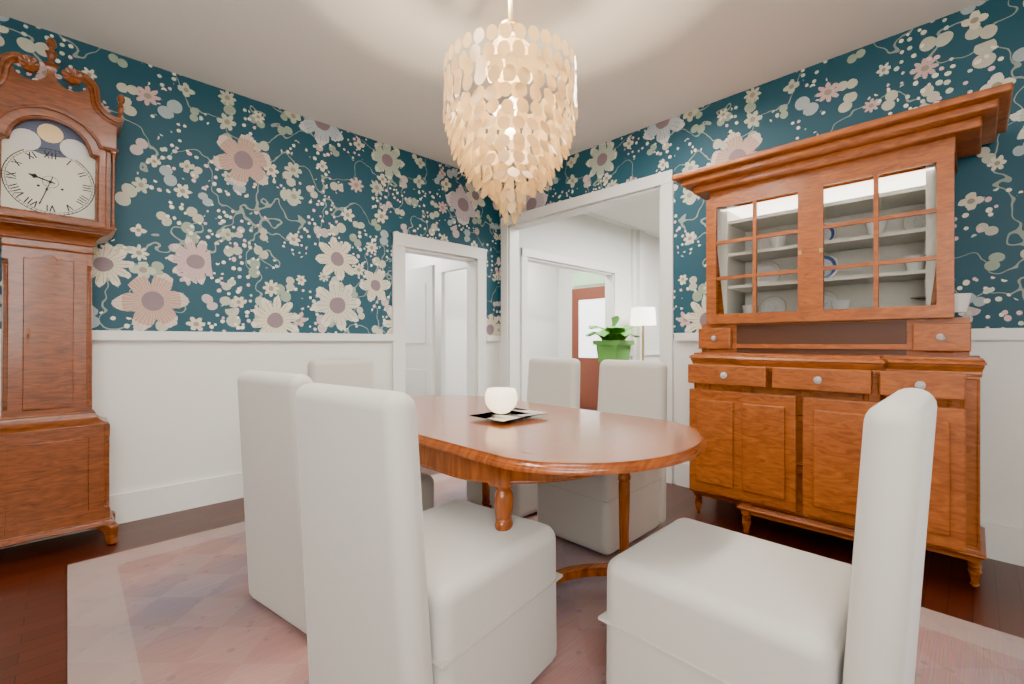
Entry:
9,33
